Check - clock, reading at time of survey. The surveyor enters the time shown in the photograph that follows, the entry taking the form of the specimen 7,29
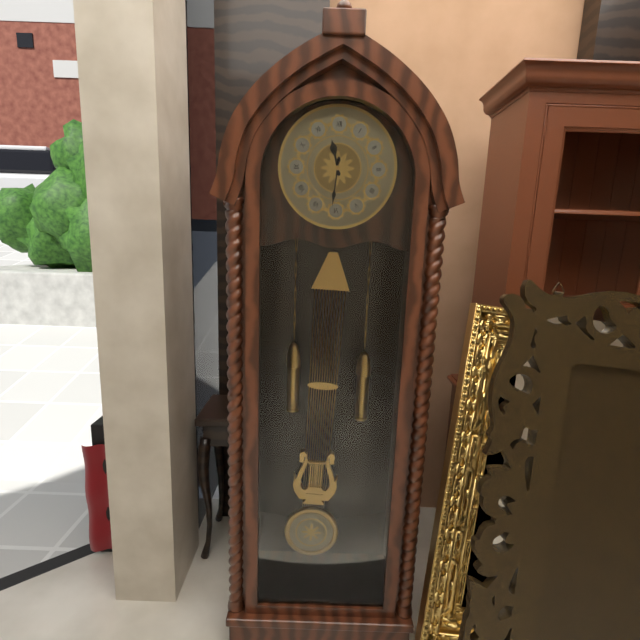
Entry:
11,31
